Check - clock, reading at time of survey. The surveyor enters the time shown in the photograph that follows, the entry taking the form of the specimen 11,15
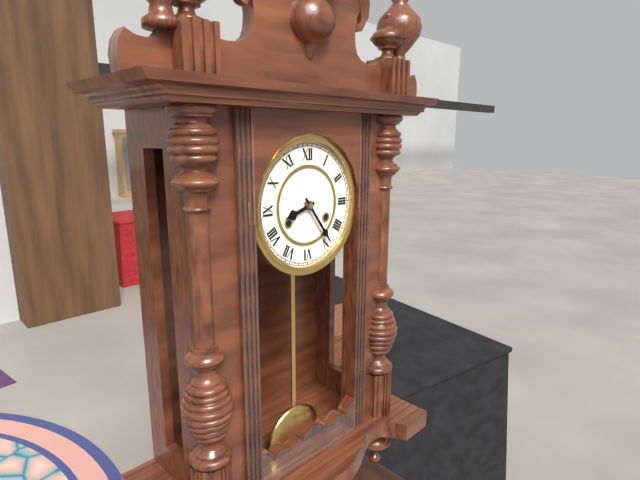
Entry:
8,24
